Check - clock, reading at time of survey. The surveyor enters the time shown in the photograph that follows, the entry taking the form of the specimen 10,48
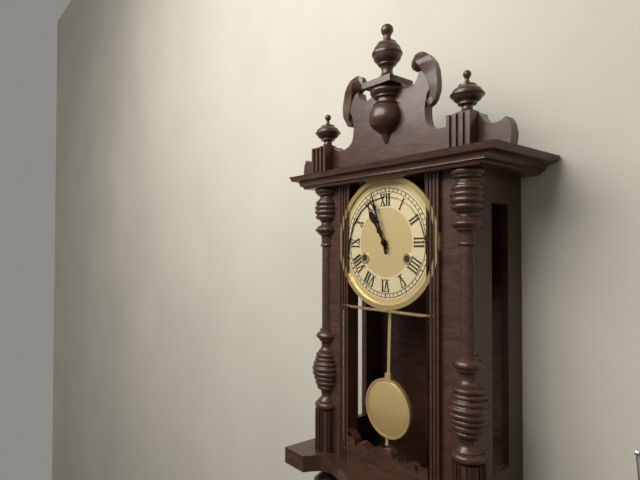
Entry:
10,57
